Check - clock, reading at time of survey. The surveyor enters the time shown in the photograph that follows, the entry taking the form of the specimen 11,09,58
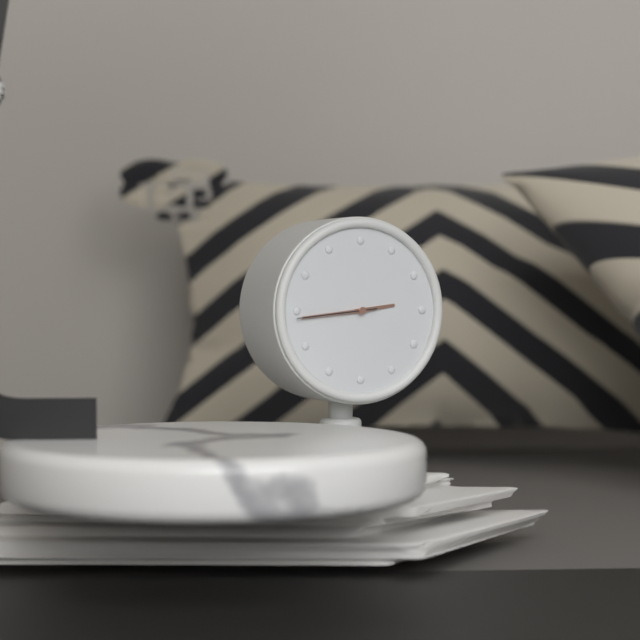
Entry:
2,44,44
